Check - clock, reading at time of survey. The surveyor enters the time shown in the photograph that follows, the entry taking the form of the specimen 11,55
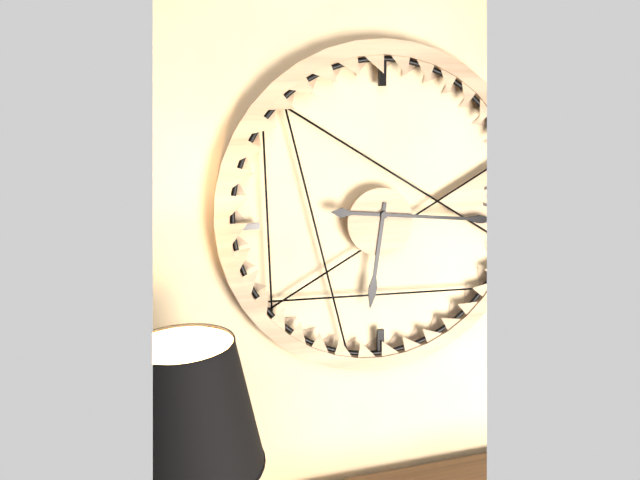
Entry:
6,16
